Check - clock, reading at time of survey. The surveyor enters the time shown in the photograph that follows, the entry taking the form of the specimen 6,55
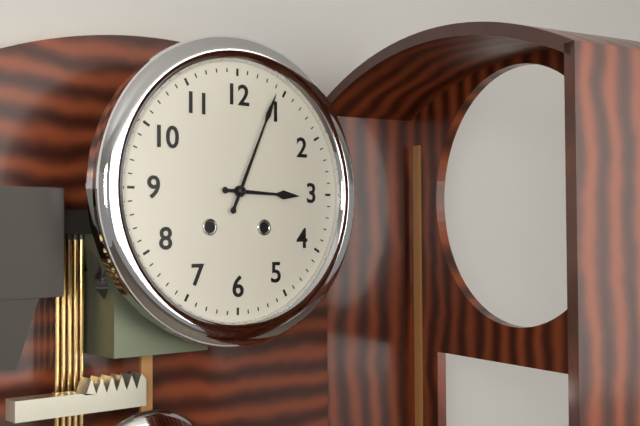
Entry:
3,04
